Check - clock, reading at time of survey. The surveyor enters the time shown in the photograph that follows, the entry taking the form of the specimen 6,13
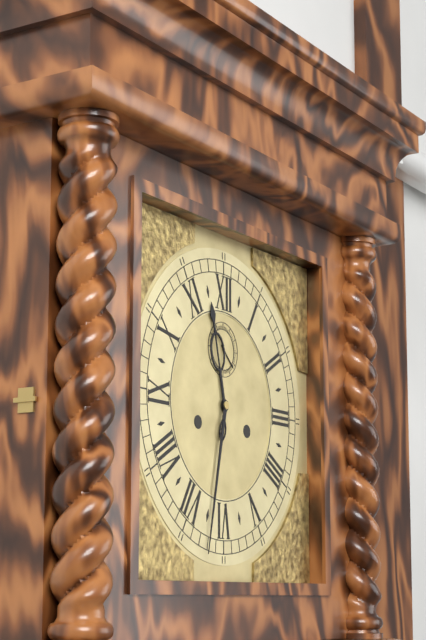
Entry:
11,32
